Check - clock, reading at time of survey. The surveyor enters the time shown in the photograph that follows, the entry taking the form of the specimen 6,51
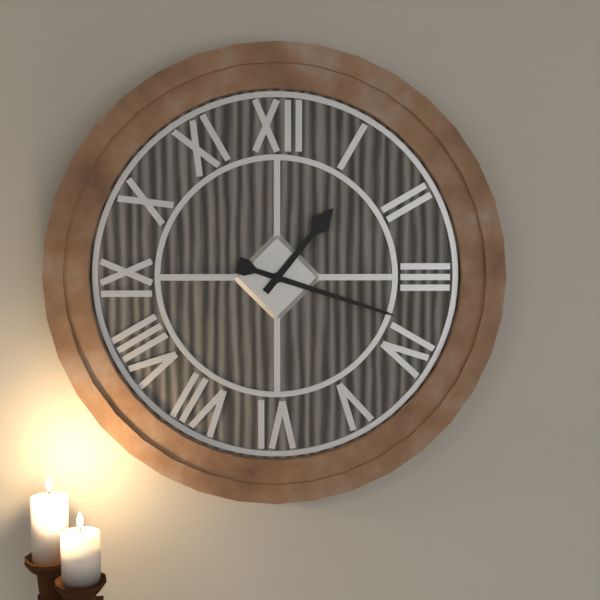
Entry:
1,18
